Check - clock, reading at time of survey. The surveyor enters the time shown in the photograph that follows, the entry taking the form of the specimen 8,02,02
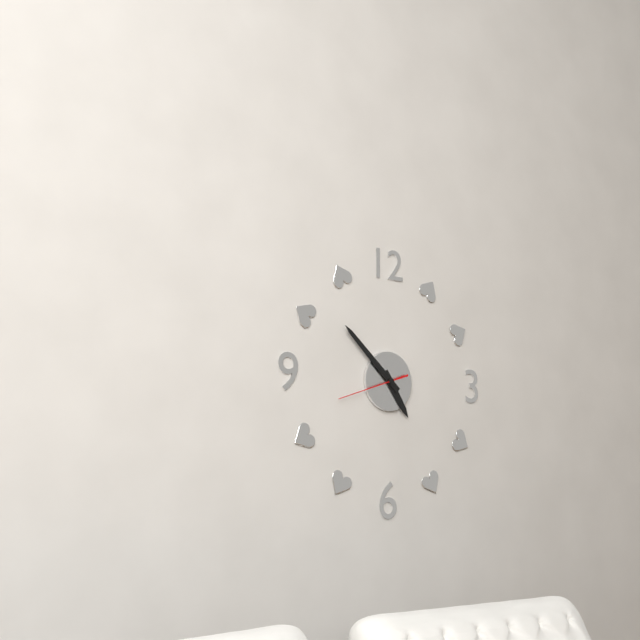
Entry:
4,52,42
